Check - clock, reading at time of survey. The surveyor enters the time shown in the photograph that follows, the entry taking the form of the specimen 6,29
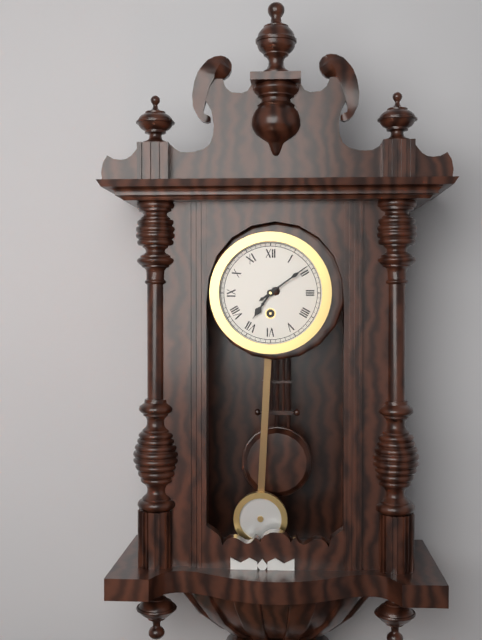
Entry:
7,09
